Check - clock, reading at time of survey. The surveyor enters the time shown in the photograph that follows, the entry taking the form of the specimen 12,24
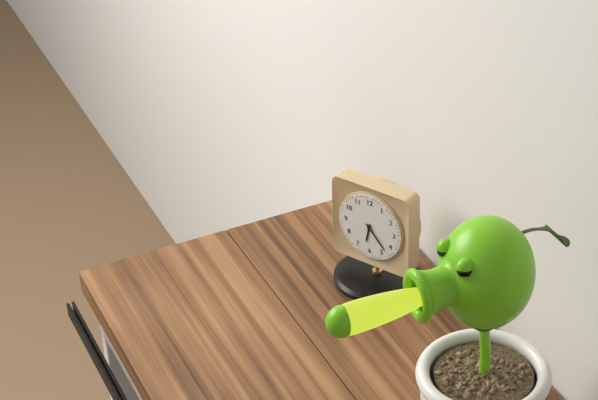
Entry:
6,23
